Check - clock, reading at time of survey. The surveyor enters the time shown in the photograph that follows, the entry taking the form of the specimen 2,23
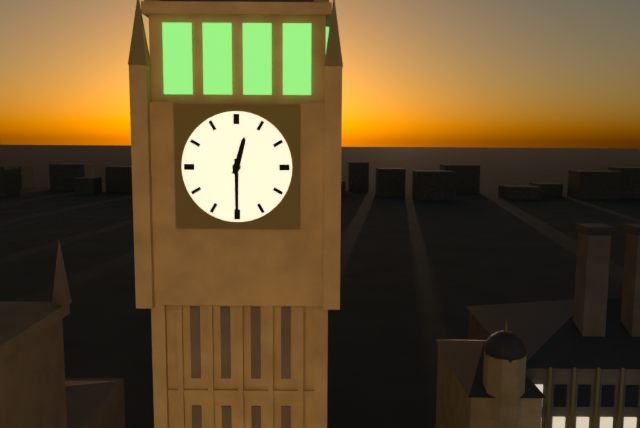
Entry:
12,30
